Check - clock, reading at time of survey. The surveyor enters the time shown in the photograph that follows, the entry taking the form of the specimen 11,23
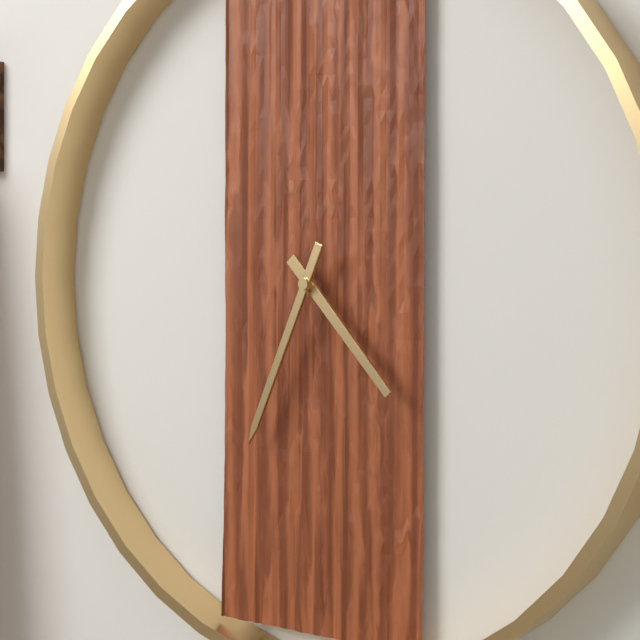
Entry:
4,34
